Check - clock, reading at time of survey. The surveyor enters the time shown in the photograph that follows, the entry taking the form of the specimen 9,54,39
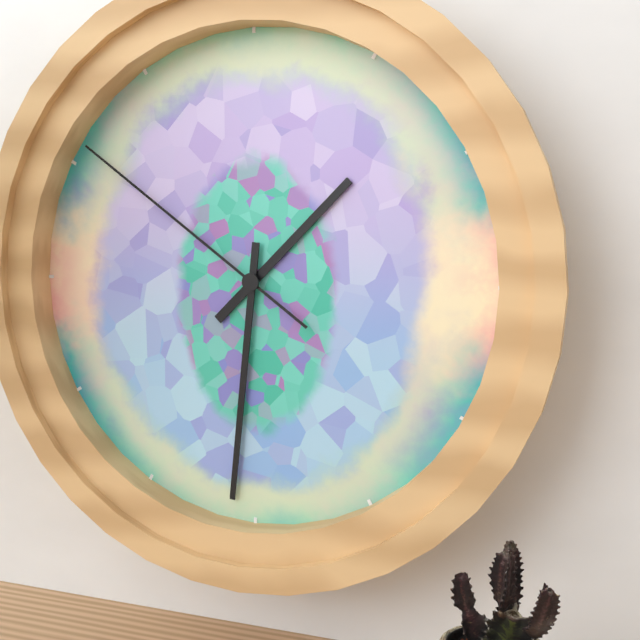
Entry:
1,31,51
